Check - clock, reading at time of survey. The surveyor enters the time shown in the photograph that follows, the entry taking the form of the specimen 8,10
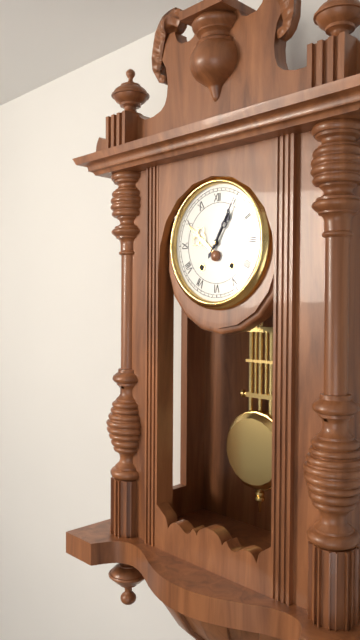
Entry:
1,05
